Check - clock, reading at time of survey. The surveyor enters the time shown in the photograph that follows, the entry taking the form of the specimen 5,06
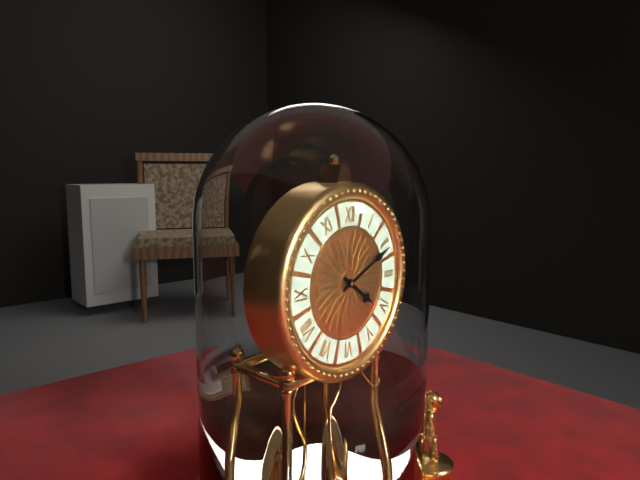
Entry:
4,11
